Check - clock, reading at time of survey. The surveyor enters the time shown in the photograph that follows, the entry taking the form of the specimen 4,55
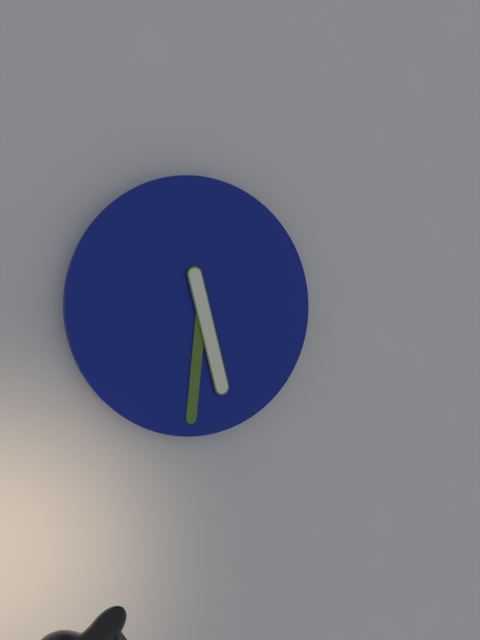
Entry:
5,31
